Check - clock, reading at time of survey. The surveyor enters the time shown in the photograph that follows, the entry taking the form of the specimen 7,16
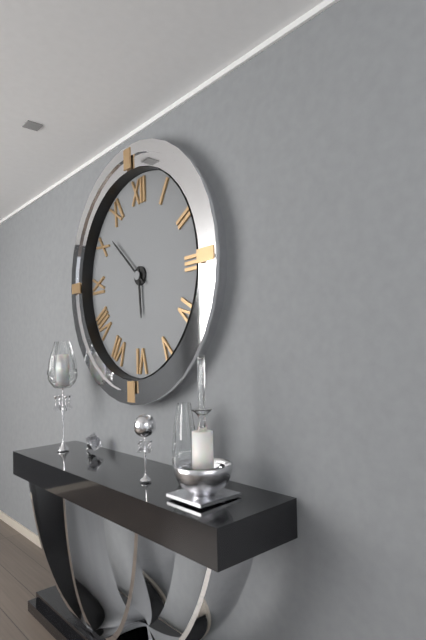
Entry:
5,52
